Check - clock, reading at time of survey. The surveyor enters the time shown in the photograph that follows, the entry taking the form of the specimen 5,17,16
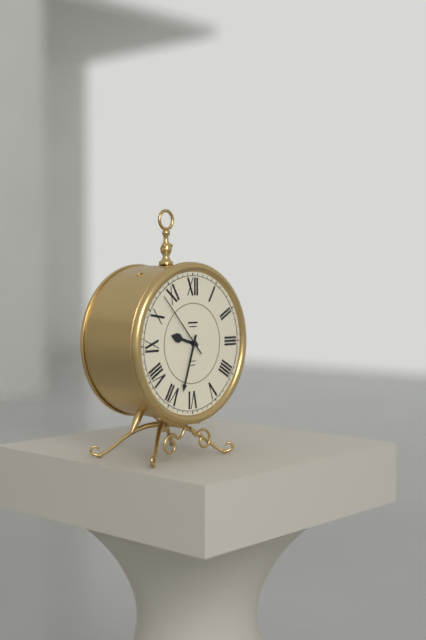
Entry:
9,33,53
